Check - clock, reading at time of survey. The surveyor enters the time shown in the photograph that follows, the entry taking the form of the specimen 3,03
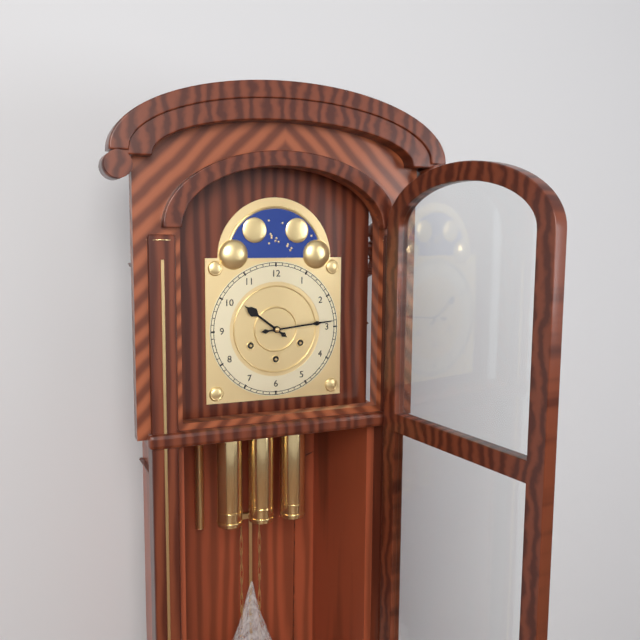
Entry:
10,14
